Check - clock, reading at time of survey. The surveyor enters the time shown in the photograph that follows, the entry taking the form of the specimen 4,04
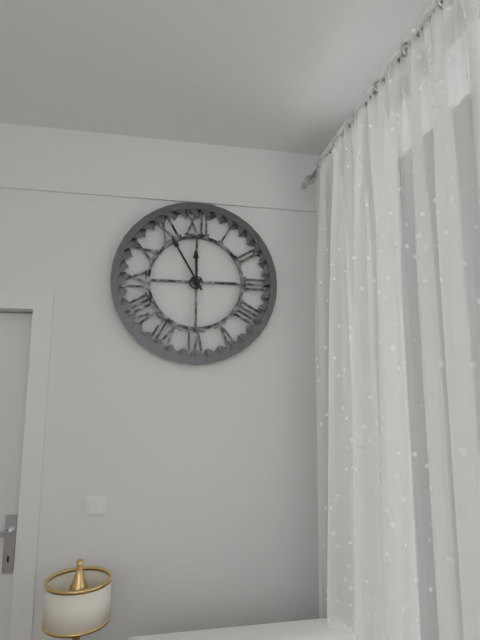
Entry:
11,55
